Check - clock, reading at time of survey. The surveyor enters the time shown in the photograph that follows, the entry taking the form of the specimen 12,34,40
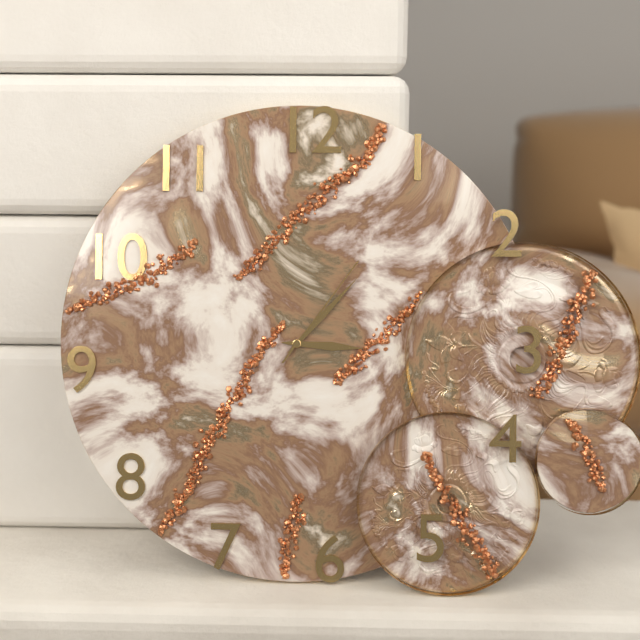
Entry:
3,07,06
